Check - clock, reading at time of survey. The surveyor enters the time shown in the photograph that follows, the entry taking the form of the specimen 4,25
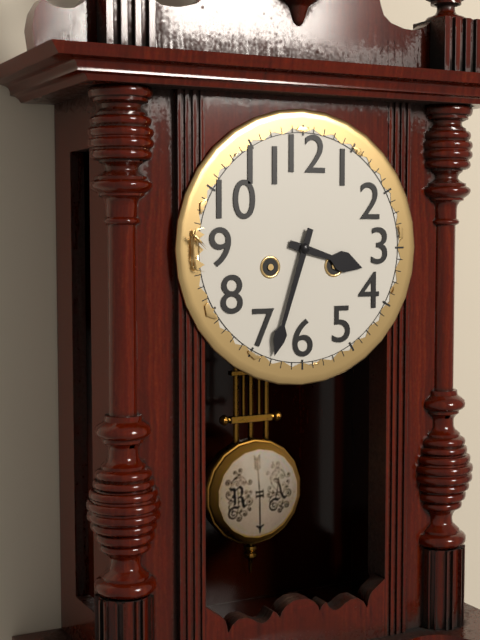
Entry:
3,33
